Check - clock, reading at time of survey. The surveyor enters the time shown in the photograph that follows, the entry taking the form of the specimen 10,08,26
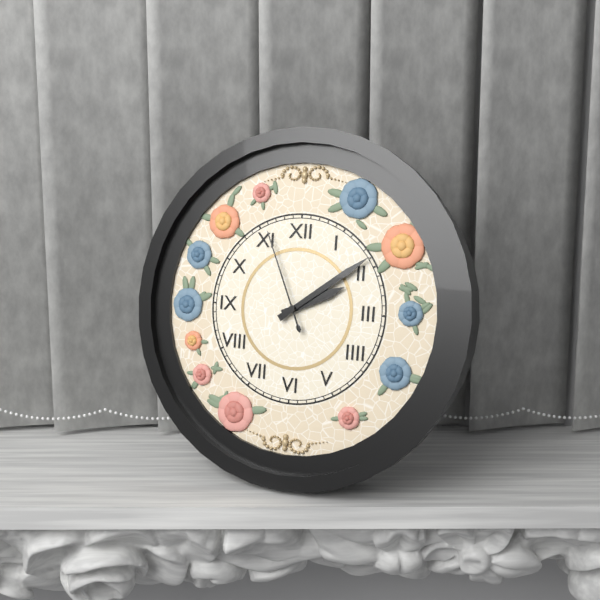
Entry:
2,09,56
